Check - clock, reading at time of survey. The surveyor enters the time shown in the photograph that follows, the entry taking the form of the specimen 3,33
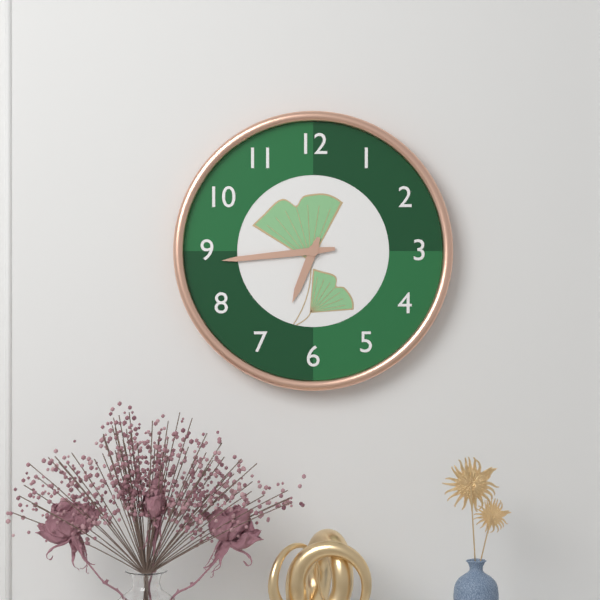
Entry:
6,44
